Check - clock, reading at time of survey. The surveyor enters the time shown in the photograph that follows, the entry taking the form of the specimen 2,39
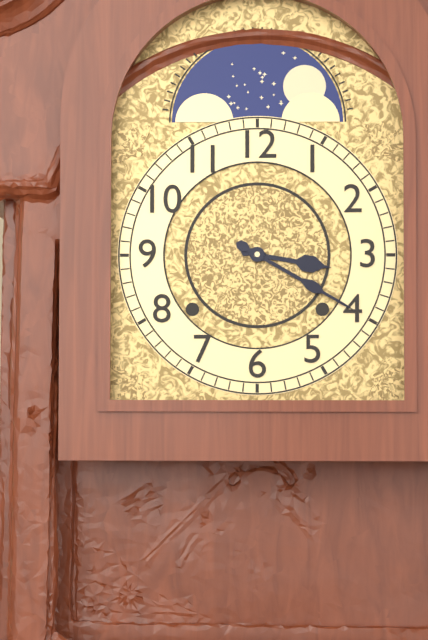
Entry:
3,20
